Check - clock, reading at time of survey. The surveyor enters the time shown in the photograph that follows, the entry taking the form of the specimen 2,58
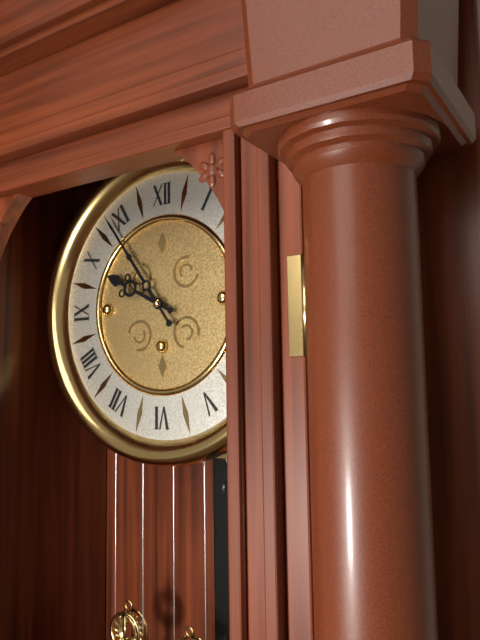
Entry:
9,54
